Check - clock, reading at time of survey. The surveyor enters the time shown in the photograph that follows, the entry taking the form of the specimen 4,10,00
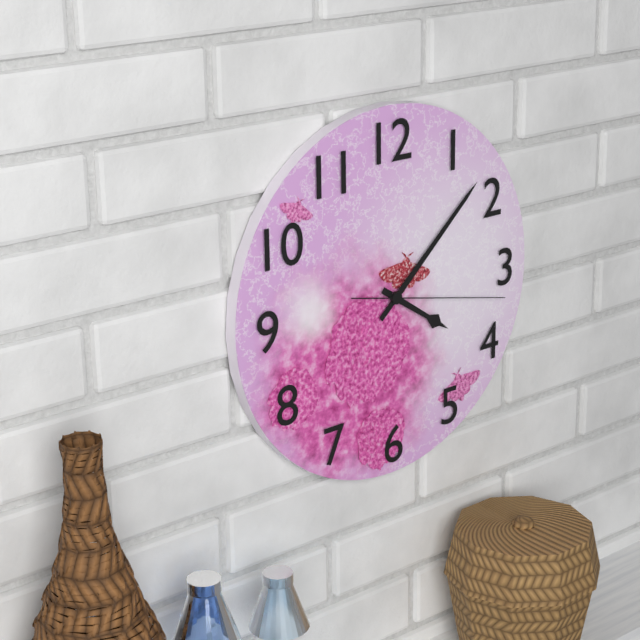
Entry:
4,08,17
